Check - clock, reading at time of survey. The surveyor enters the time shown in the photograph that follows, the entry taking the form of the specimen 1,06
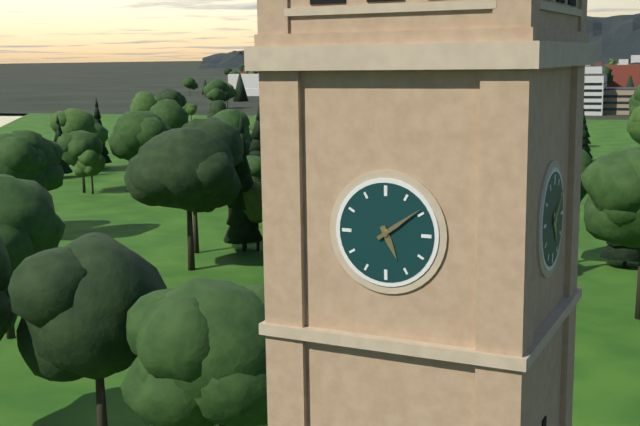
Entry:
5,09
